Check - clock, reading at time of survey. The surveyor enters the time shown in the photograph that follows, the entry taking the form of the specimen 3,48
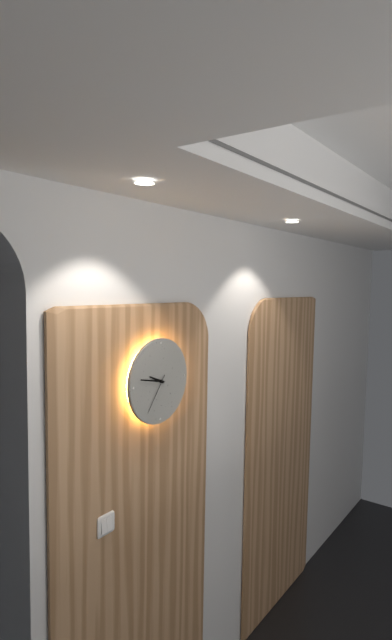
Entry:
9,47
